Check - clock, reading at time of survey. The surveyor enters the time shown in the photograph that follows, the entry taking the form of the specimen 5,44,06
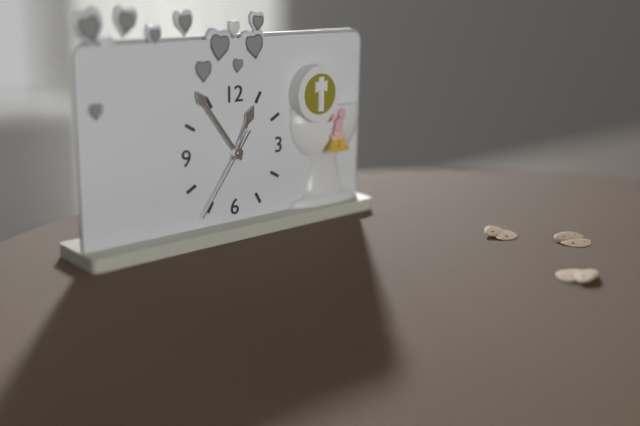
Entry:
12,54,36
